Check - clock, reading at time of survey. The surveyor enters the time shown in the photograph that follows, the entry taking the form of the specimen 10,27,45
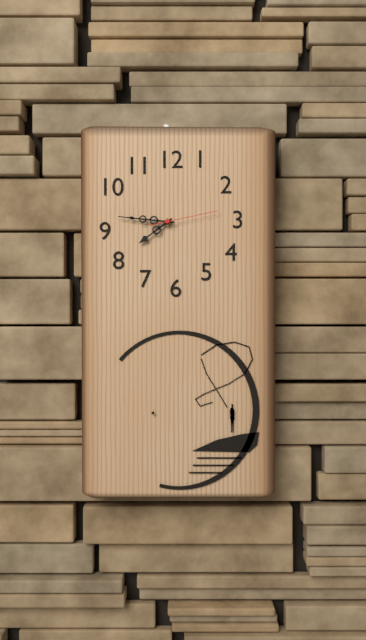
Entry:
7,46,13
